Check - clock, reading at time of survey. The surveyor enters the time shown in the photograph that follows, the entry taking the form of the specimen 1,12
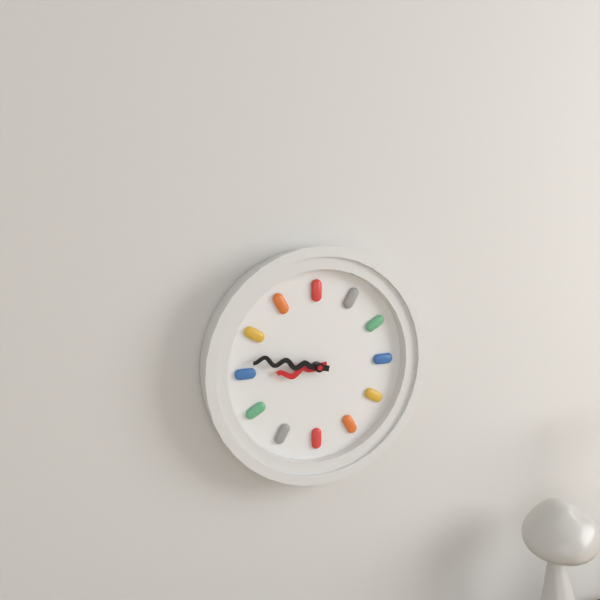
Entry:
8,47
